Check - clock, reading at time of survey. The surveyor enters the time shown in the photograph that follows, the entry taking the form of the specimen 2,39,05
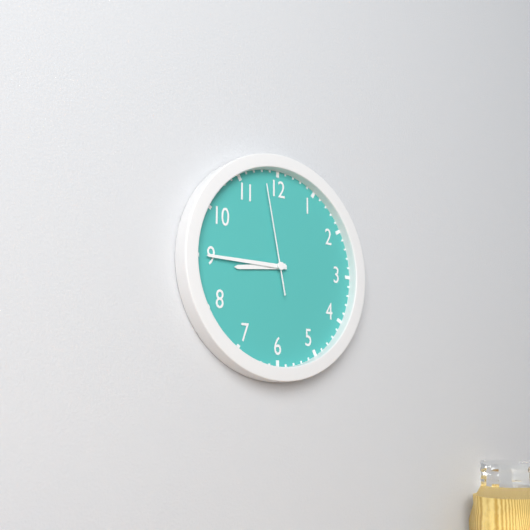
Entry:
8,45,58
